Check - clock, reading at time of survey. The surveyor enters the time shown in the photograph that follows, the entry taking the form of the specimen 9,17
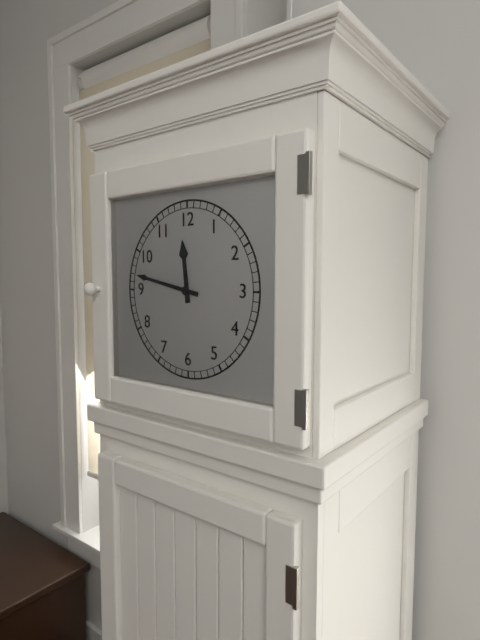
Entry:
11,47
